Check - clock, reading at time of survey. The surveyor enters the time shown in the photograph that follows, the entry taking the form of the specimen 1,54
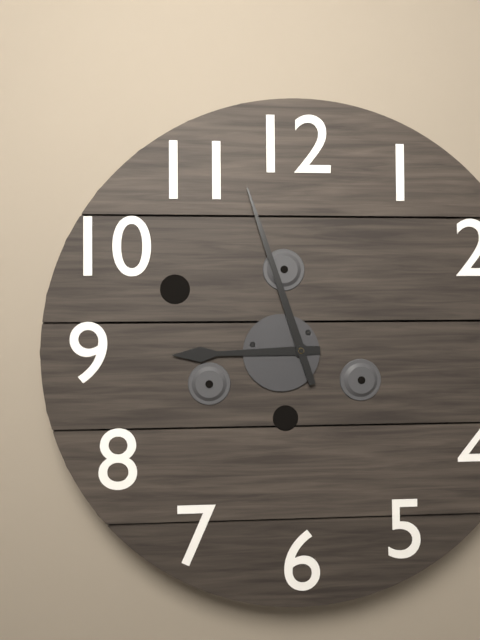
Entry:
8,57
